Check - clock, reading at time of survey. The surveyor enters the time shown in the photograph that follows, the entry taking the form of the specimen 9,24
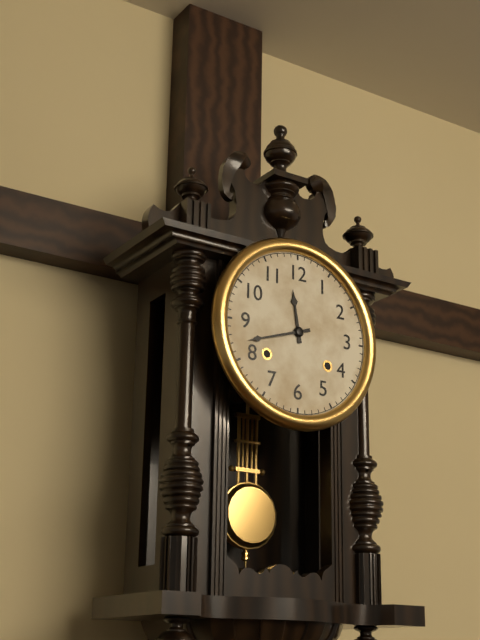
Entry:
11,42
